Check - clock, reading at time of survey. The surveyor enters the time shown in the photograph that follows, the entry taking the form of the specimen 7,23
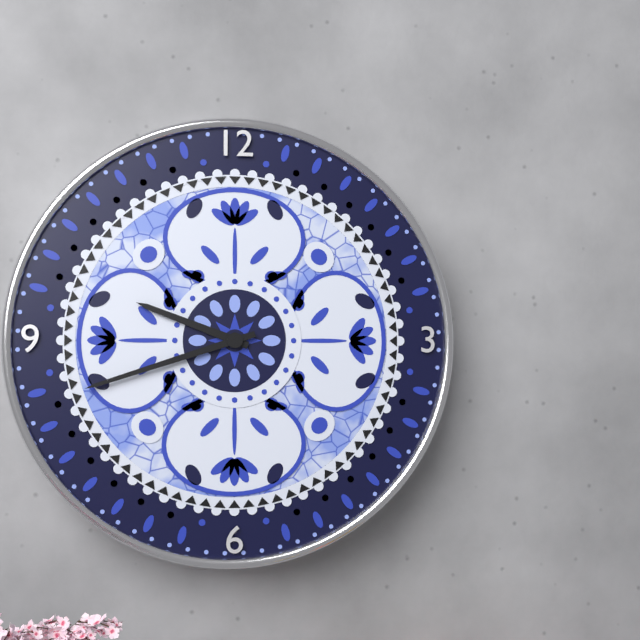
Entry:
9,42
